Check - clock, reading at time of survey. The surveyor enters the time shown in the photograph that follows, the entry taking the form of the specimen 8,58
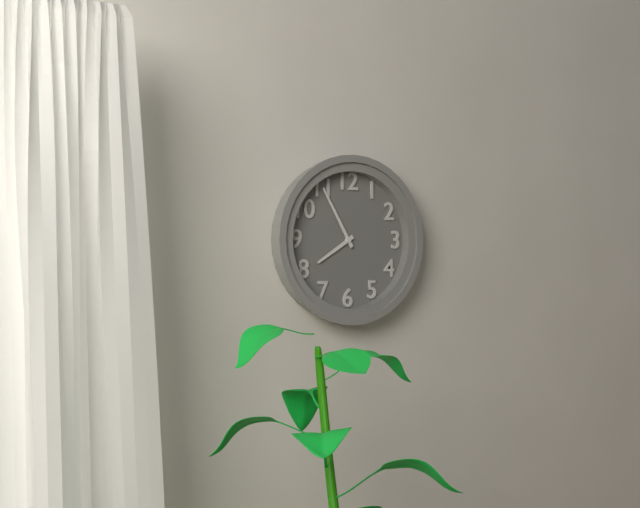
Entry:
7,55
